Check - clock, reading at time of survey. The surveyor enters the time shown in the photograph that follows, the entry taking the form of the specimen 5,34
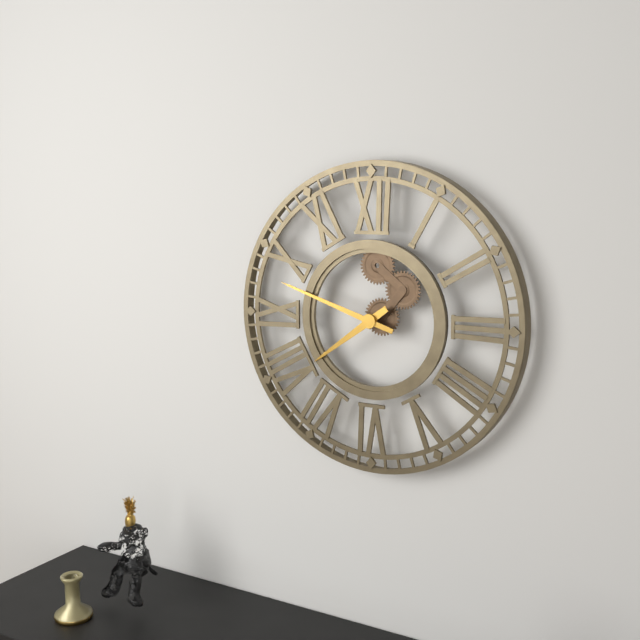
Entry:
7,48
